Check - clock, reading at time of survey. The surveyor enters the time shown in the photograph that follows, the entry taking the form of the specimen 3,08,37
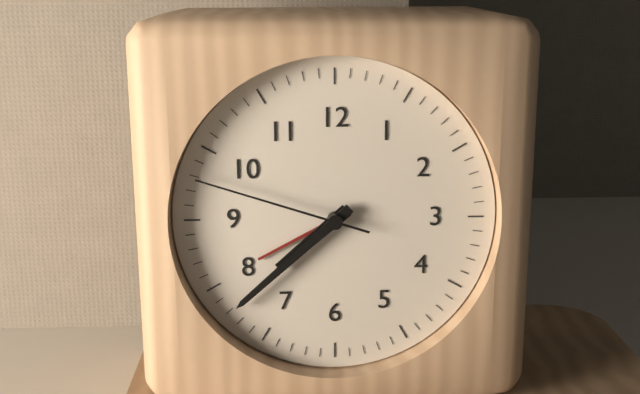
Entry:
7,38,48
